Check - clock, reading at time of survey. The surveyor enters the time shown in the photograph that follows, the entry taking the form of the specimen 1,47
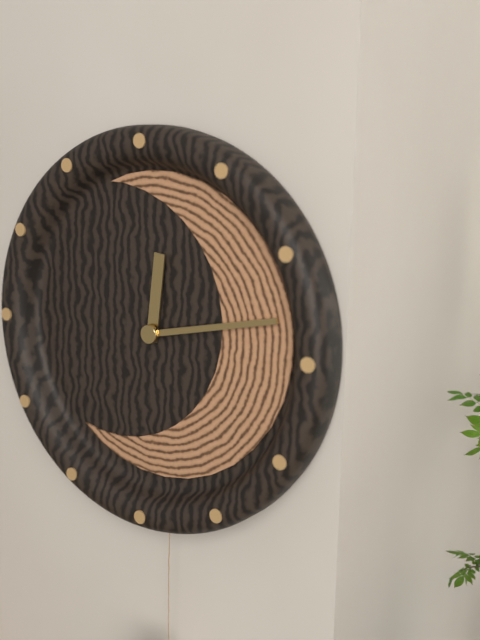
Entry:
12,13
